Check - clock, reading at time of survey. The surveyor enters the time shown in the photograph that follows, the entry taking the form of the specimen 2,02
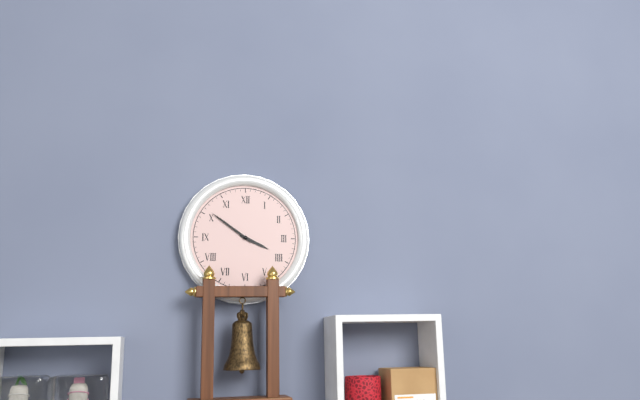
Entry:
3,51
